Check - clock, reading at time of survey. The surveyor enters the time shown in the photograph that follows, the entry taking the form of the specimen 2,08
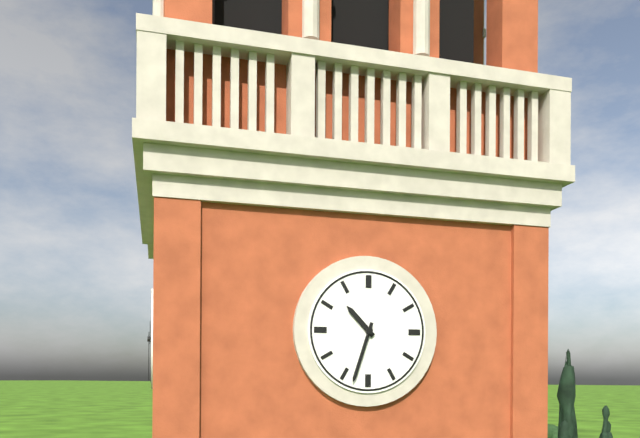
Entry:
10,33
